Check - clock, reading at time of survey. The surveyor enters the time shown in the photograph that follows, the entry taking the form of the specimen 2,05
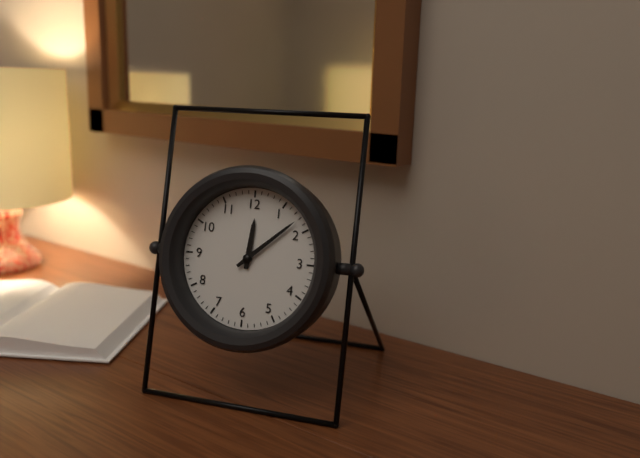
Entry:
12,08
